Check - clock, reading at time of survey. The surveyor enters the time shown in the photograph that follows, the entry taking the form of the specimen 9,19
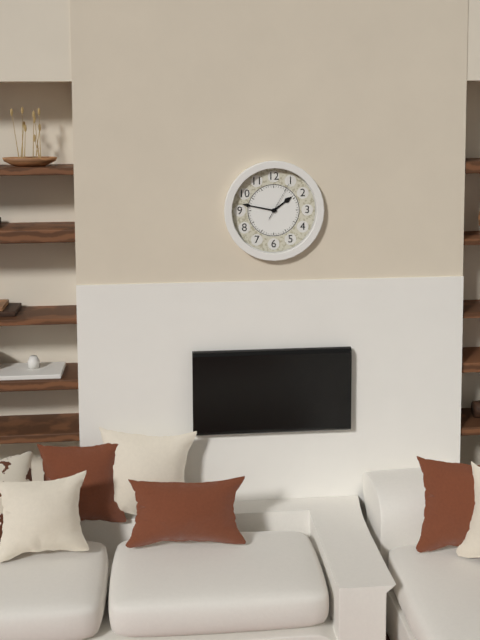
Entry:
1,47
